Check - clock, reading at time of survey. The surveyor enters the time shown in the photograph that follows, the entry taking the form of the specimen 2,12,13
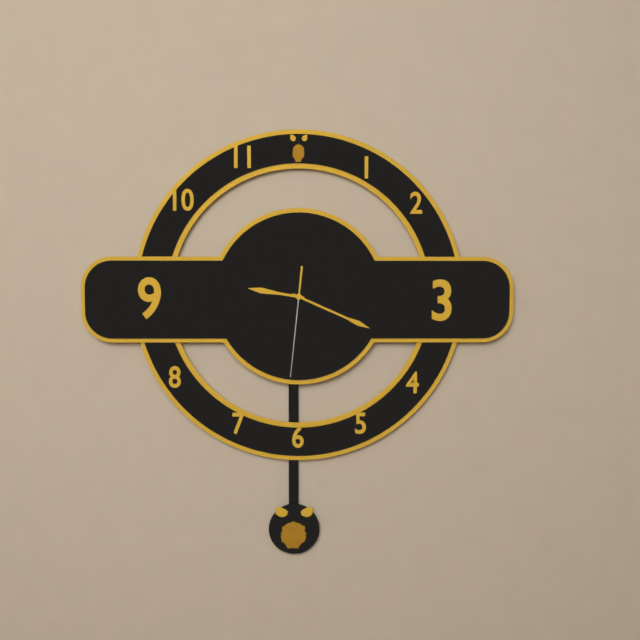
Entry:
9,19,31
